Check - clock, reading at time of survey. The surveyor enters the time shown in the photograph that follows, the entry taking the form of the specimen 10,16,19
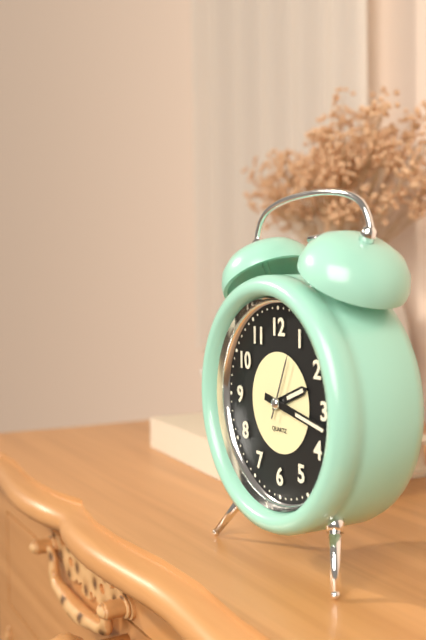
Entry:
2,17,04
